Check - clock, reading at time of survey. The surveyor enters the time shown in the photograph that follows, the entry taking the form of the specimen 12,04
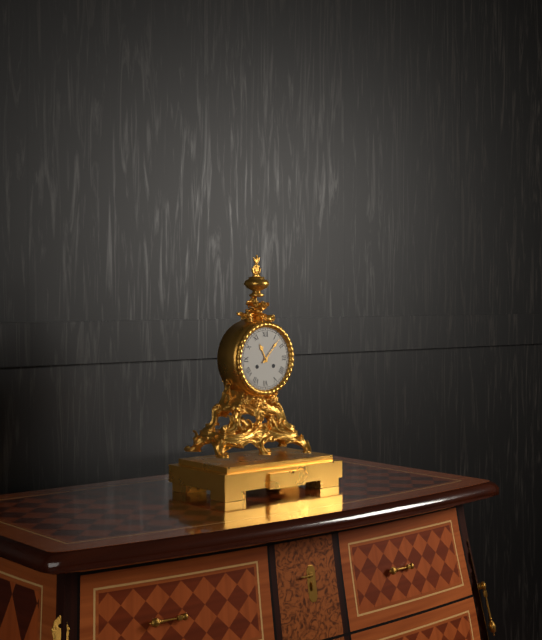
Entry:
11,07
